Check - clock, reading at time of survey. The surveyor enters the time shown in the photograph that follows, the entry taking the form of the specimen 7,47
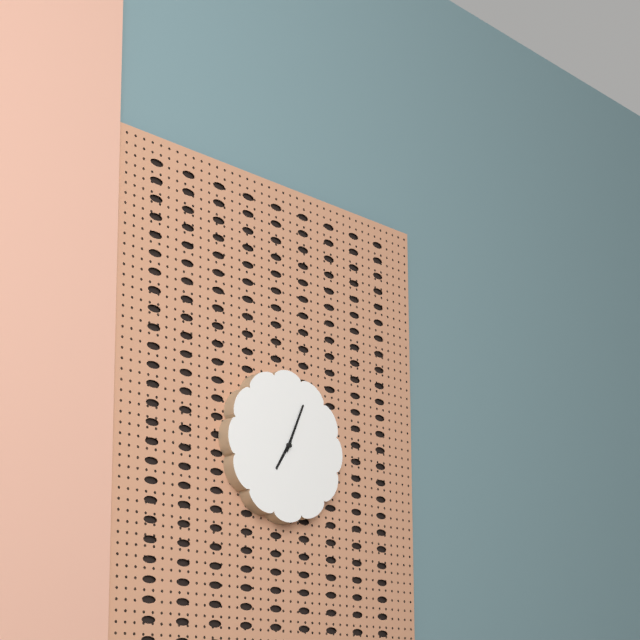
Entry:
7,04
